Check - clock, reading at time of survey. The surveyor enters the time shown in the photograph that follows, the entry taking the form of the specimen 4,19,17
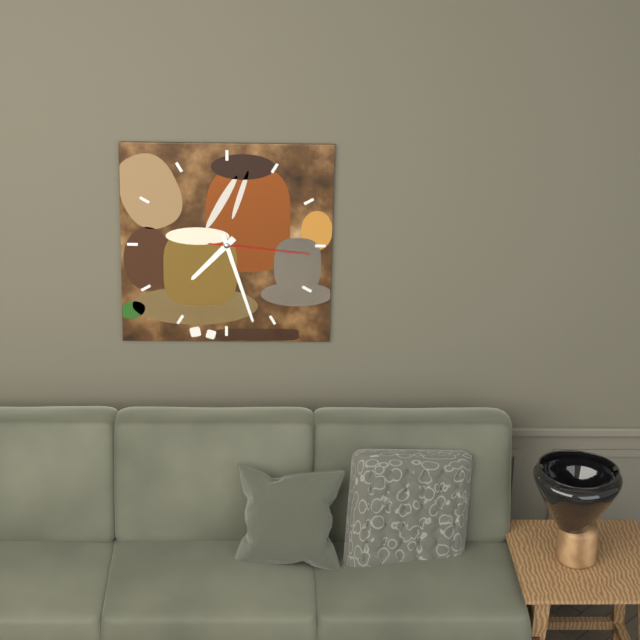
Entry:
7,27,16
